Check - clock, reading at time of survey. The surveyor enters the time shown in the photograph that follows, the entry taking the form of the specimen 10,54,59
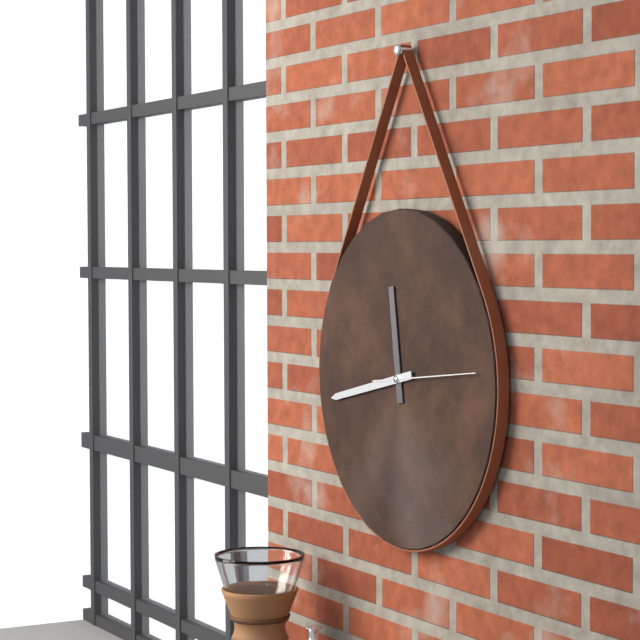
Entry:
11,43,14
